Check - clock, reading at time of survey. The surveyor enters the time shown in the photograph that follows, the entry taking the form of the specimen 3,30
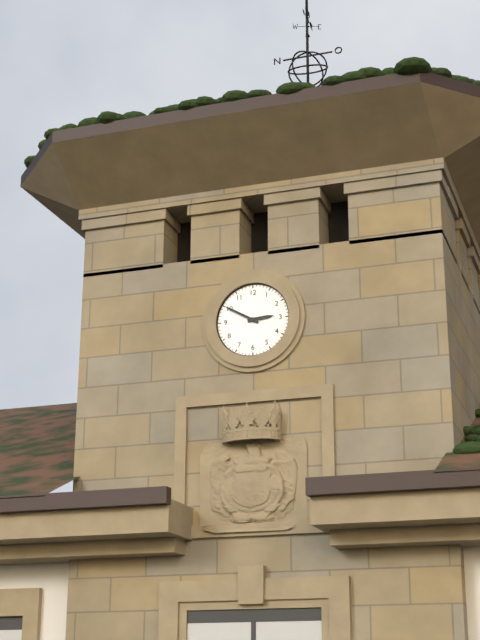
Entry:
2,50
